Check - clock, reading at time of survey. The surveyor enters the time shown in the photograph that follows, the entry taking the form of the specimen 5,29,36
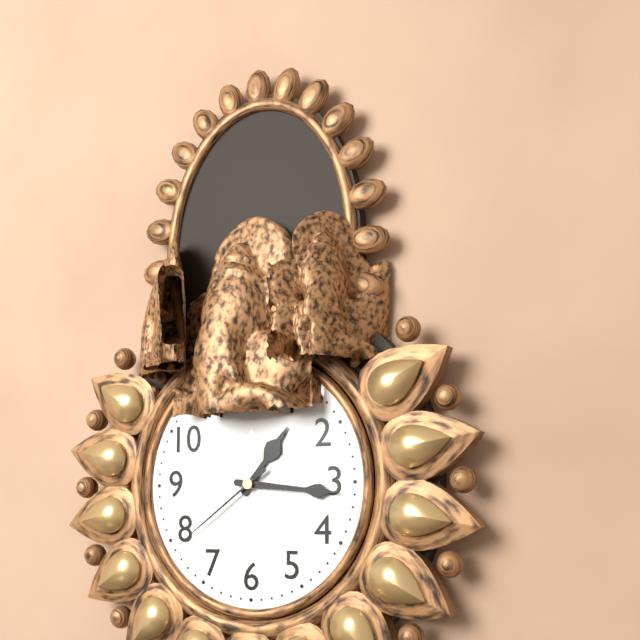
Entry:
1,16,39
